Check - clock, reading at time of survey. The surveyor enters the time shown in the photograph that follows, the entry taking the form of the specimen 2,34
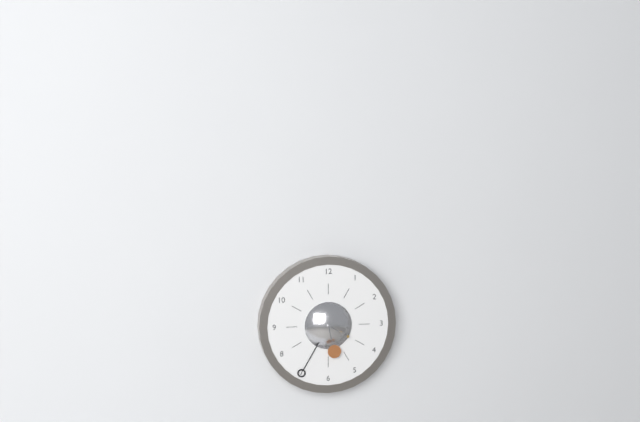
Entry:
5,35
